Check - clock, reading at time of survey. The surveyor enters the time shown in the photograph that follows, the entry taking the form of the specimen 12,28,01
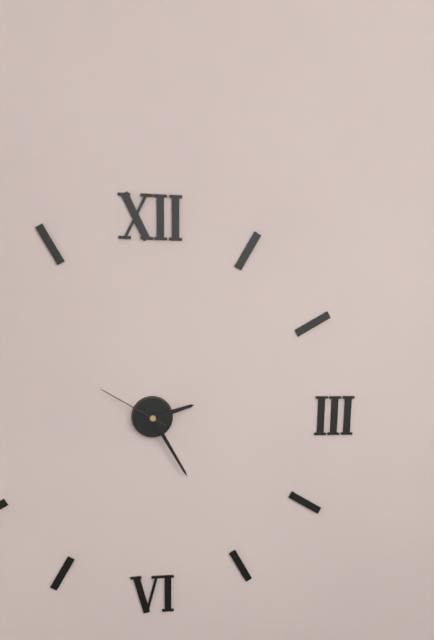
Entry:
2,25,50
